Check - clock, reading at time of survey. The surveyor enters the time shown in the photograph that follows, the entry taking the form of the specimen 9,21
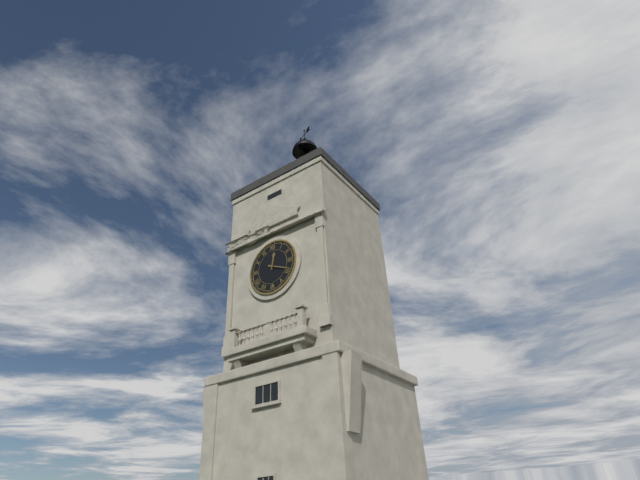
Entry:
12,19
